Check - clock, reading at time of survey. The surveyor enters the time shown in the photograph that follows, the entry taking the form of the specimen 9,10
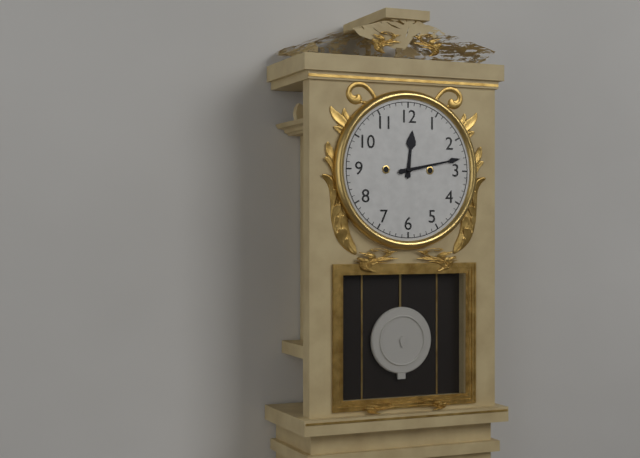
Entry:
12,13
